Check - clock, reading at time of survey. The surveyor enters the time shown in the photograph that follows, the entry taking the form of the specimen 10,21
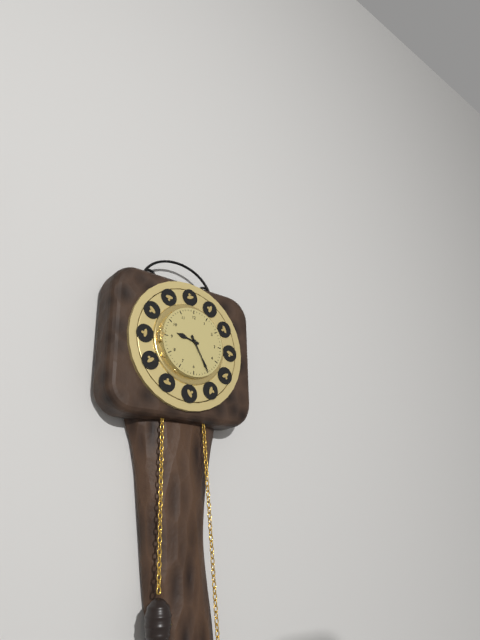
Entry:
9,25
